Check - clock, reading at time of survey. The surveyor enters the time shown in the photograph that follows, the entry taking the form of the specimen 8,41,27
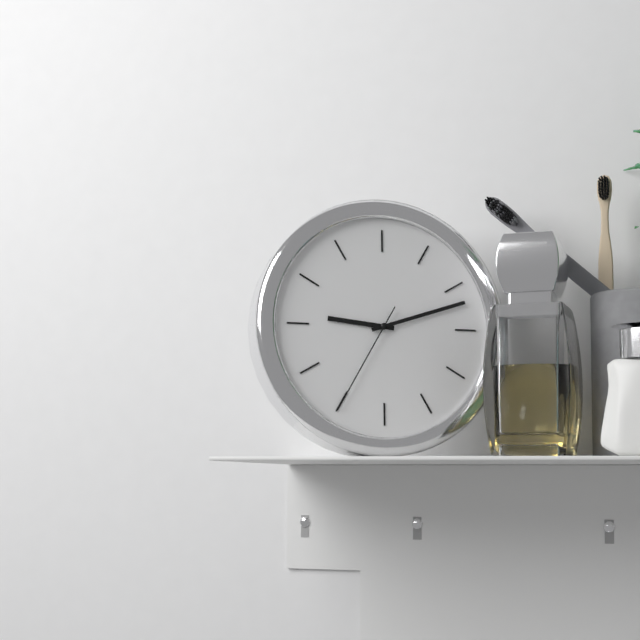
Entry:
9,12,35
